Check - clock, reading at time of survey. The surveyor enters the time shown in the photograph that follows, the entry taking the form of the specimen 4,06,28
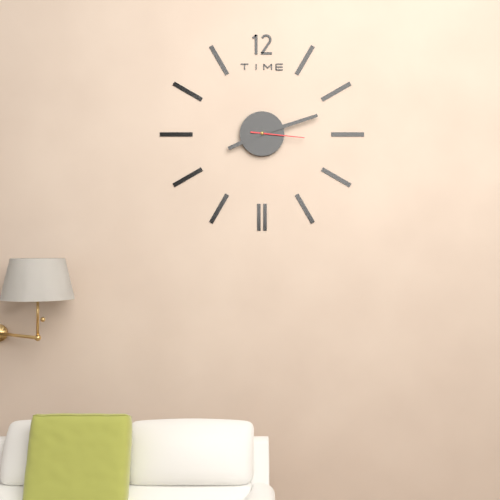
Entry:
8,12,16
